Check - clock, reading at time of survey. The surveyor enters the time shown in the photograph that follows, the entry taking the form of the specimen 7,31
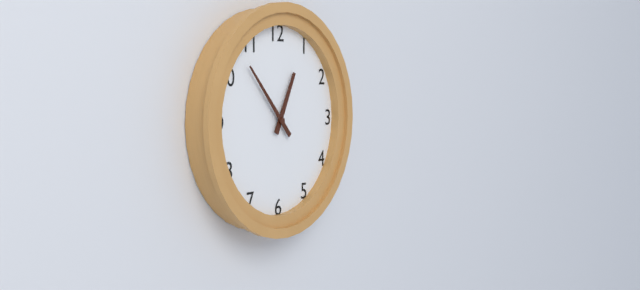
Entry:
12,53
